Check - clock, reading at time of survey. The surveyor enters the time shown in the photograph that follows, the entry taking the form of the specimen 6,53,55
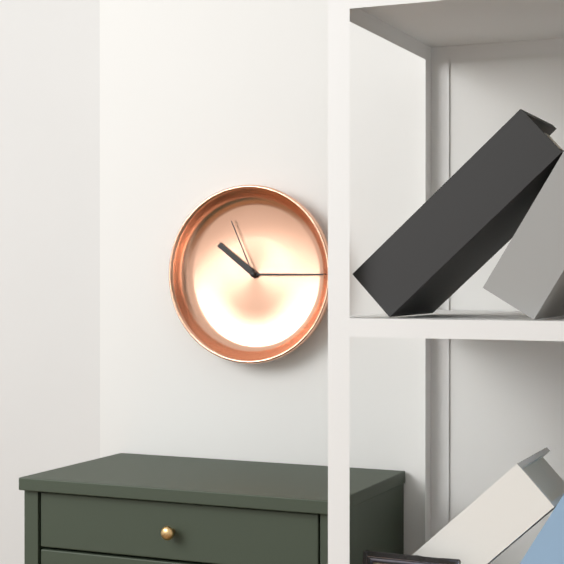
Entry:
10,15,56
